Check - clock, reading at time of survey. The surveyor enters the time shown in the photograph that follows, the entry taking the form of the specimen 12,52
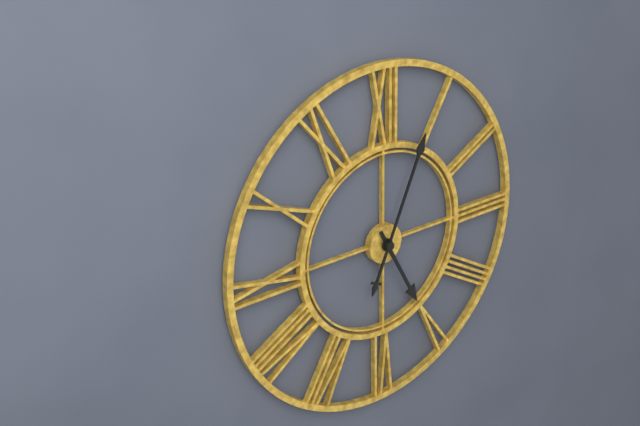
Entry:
5,04
